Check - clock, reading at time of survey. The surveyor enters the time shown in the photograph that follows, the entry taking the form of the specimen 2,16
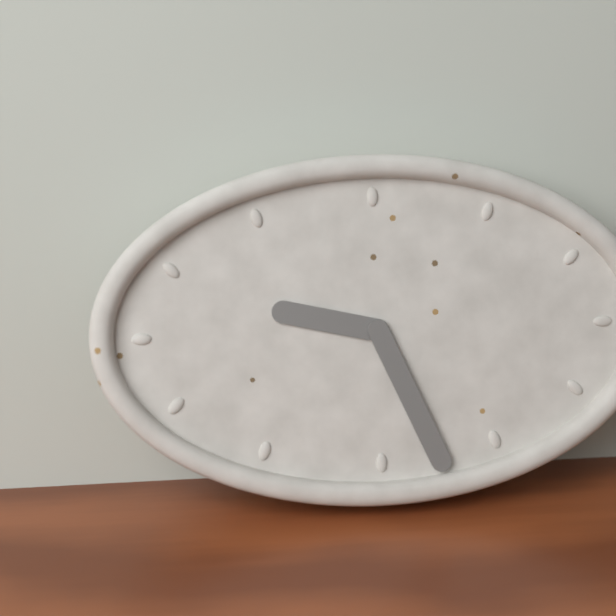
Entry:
9,26
